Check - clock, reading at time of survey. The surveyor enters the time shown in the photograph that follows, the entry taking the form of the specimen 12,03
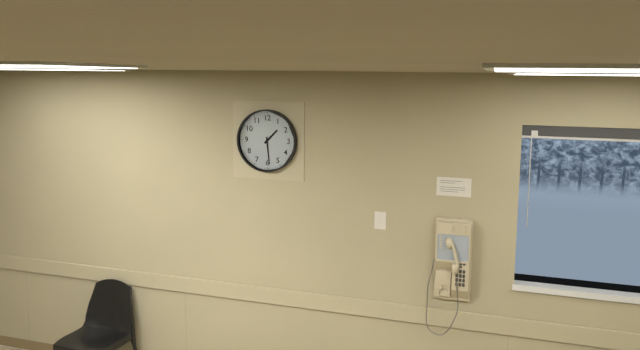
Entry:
1,29
